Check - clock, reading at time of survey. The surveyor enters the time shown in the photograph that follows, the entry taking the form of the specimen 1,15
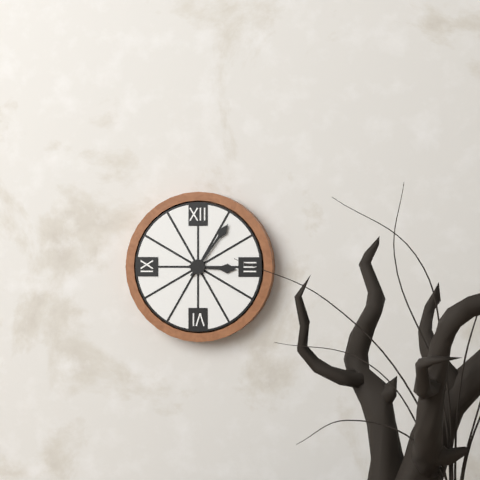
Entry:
3,06
